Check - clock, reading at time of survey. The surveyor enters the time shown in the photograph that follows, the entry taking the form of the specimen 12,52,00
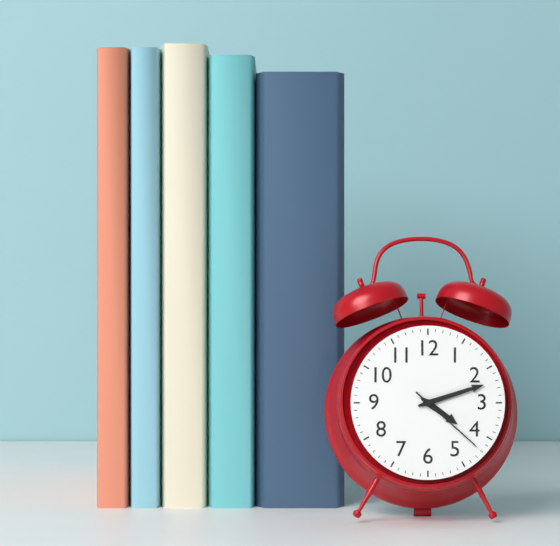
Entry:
4,12,22
